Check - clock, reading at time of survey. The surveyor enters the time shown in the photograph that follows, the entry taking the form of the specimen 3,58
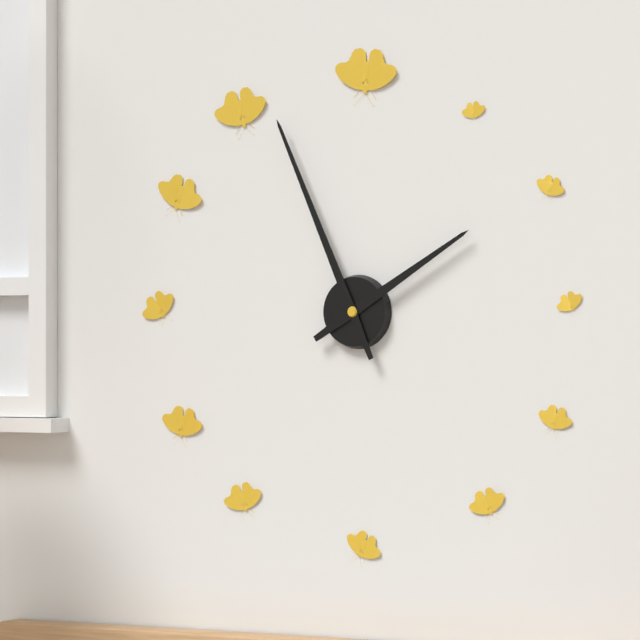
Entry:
1,56
